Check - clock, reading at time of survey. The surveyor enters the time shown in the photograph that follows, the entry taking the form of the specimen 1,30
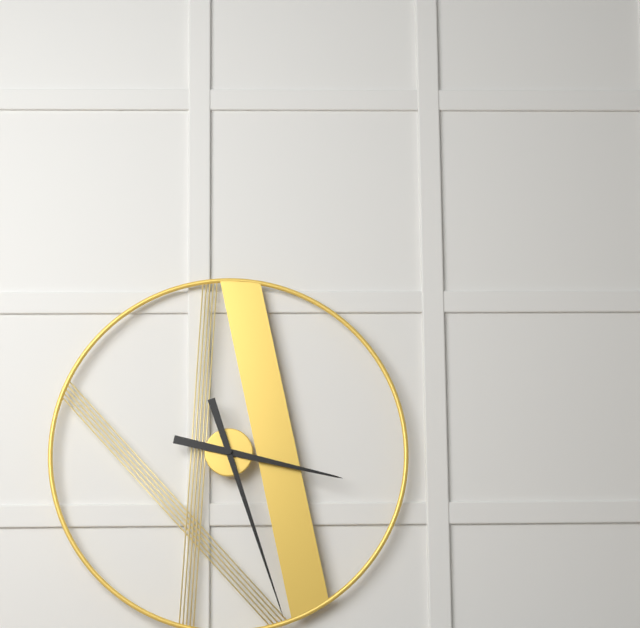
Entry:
3,27
